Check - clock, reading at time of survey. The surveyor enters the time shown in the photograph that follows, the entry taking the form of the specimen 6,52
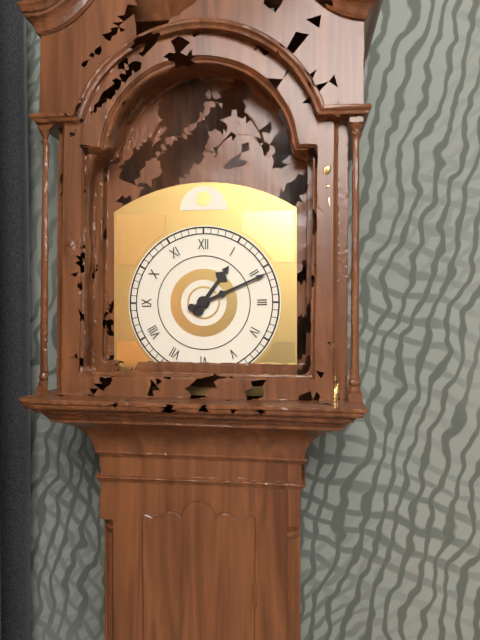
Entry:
1,11
